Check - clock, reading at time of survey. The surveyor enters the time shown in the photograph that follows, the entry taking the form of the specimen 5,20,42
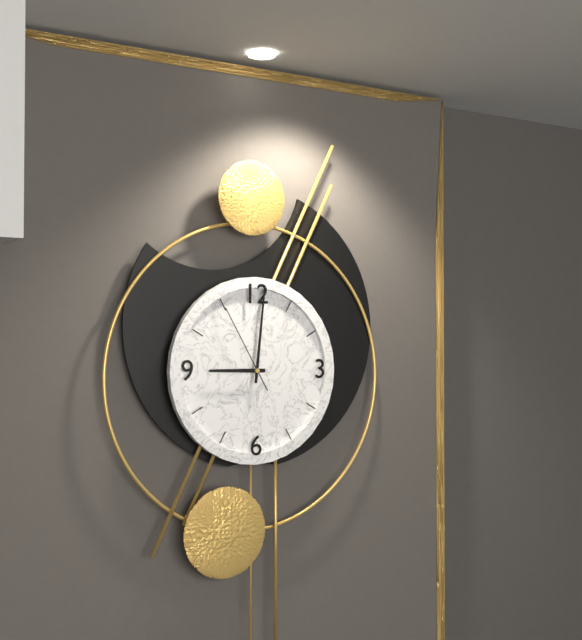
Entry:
9,01,55
